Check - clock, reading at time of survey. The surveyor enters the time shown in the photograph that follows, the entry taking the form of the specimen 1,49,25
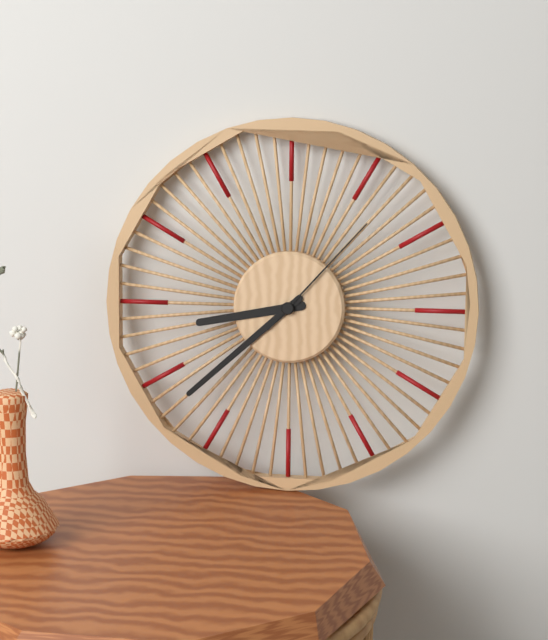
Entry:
8,38,07
